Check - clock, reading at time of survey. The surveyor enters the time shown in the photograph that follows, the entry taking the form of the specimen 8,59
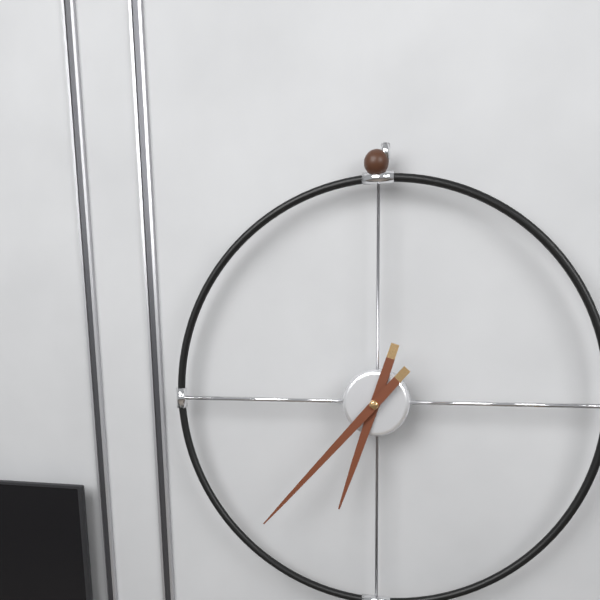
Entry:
6,37
